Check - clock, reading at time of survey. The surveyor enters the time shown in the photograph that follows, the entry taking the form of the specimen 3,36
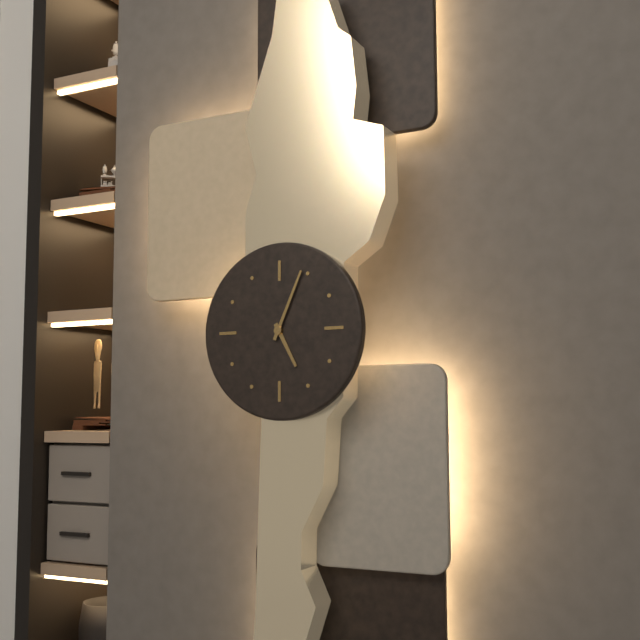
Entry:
5,04
